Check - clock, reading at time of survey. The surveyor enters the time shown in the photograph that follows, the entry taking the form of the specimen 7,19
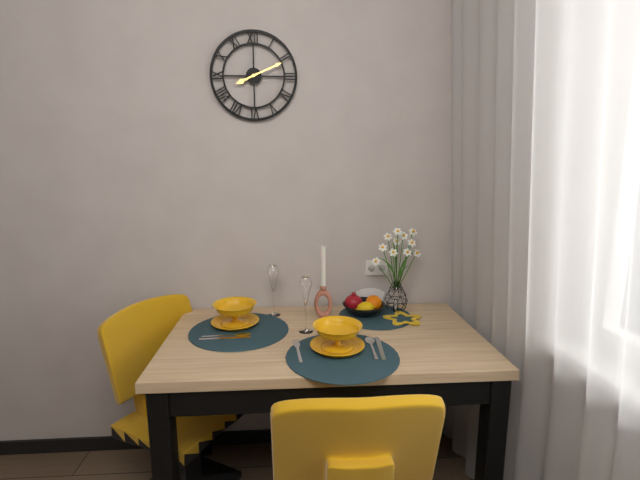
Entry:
8,11
